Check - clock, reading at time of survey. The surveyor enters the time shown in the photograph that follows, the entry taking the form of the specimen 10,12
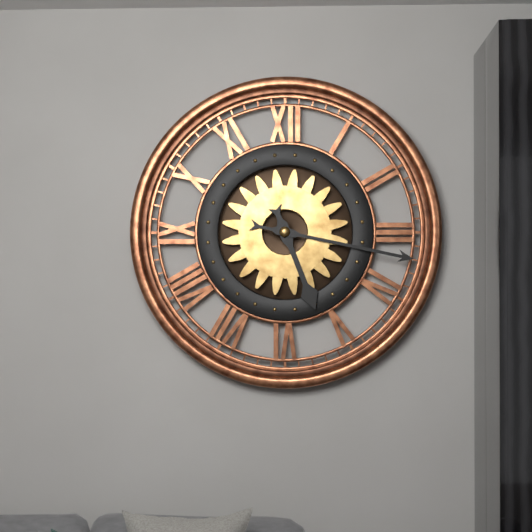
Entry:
5,17
